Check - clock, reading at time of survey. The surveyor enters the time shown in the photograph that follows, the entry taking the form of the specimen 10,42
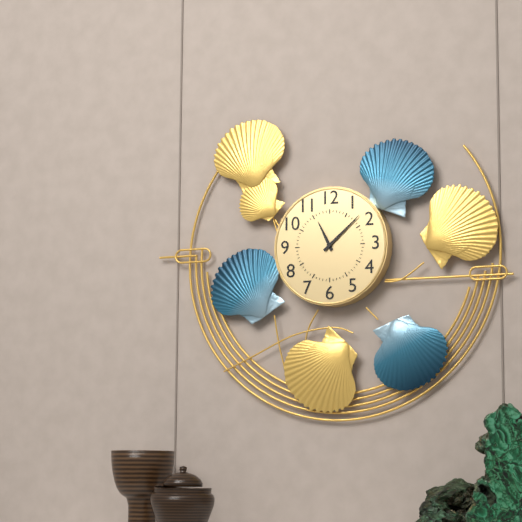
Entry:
11,08
